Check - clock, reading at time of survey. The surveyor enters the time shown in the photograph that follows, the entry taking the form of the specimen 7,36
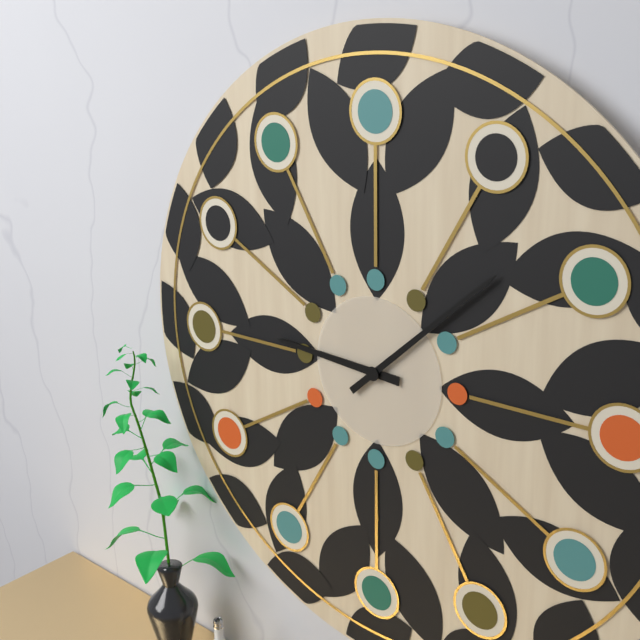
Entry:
9,08
